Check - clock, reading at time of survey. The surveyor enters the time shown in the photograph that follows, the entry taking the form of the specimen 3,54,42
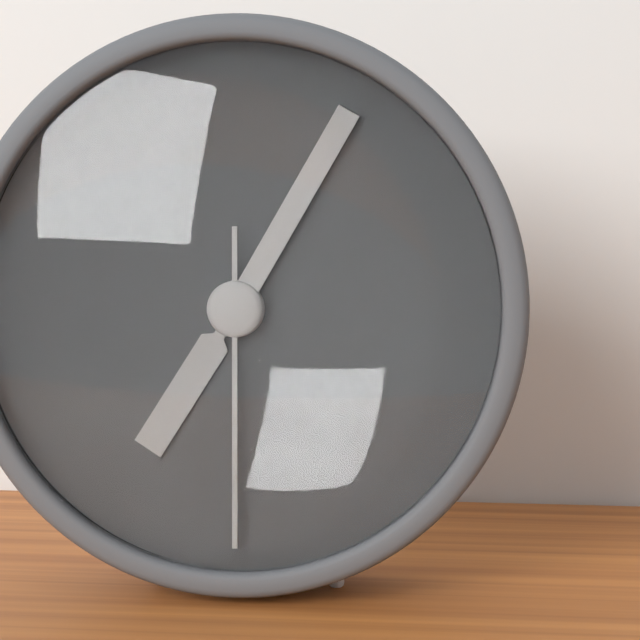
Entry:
7,05,30
